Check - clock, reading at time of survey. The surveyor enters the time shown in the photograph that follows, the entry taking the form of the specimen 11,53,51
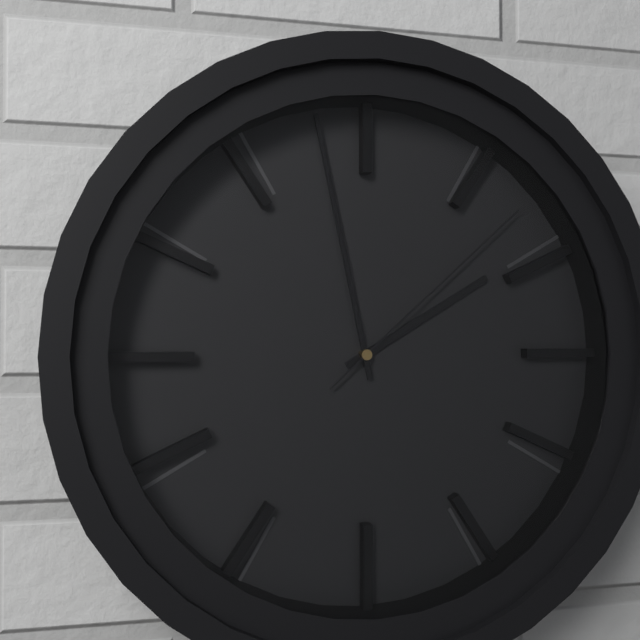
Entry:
1,58,08
